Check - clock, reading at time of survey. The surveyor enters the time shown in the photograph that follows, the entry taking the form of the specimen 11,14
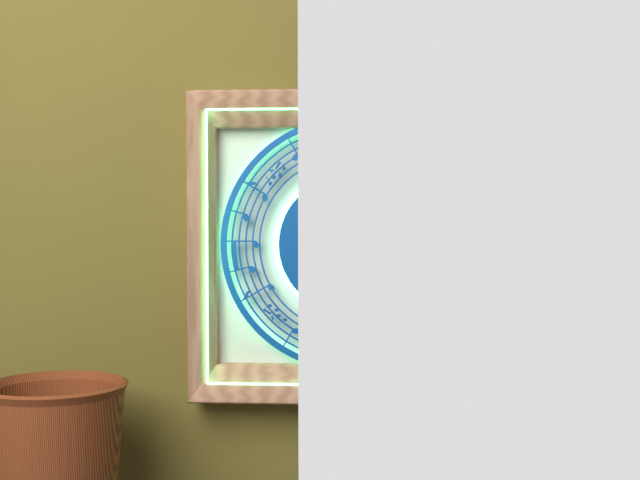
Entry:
12,31
